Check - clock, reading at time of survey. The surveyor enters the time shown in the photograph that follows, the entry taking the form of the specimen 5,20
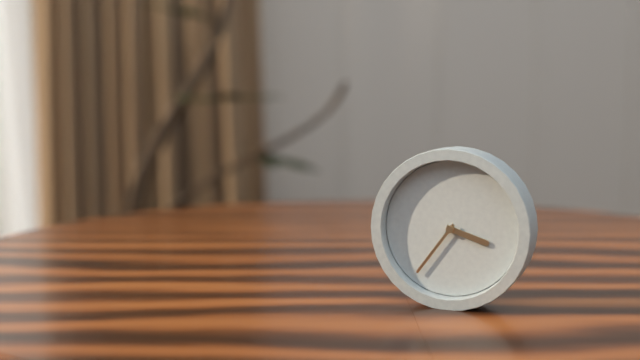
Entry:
3,36
